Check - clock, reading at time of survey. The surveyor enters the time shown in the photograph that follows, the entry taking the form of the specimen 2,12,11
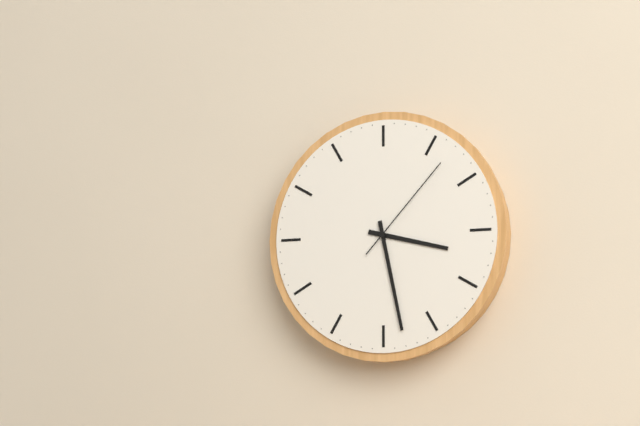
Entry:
3,28,07
